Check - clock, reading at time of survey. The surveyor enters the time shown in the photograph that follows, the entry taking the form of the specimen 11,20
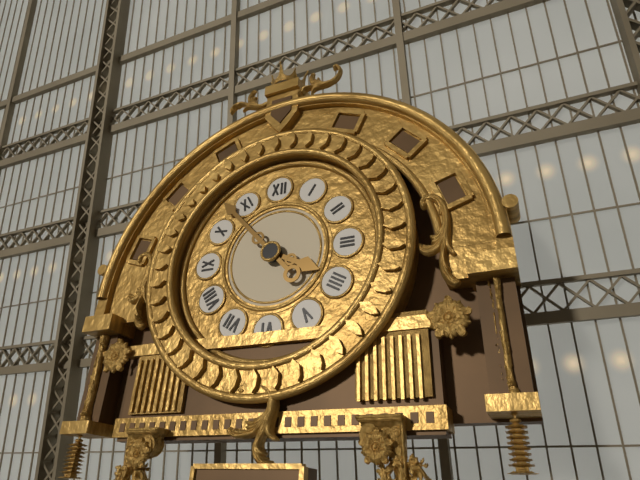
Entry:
3,53
